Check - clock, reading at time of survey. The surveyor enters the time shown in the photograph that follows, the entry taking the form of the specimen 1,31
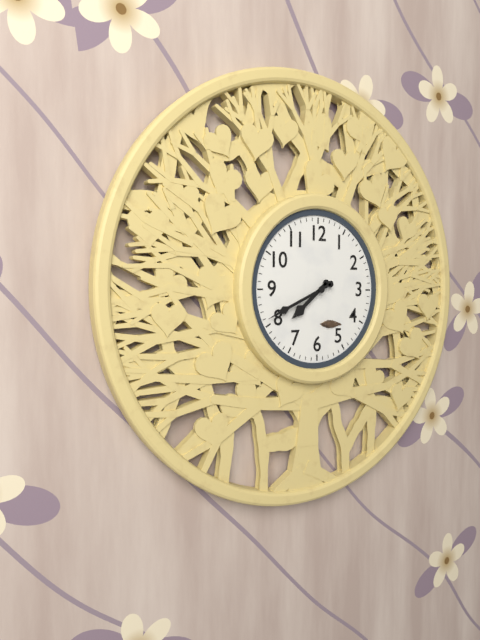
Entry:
7,41
